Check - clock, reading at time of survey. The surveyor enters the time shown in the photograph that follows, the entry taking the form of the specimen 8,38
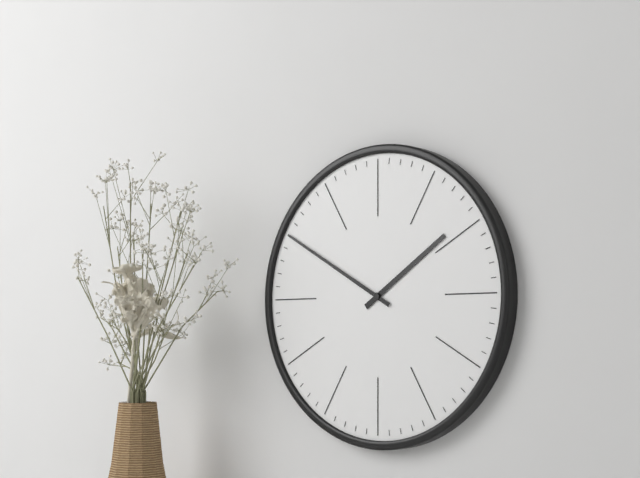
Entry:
1,50
